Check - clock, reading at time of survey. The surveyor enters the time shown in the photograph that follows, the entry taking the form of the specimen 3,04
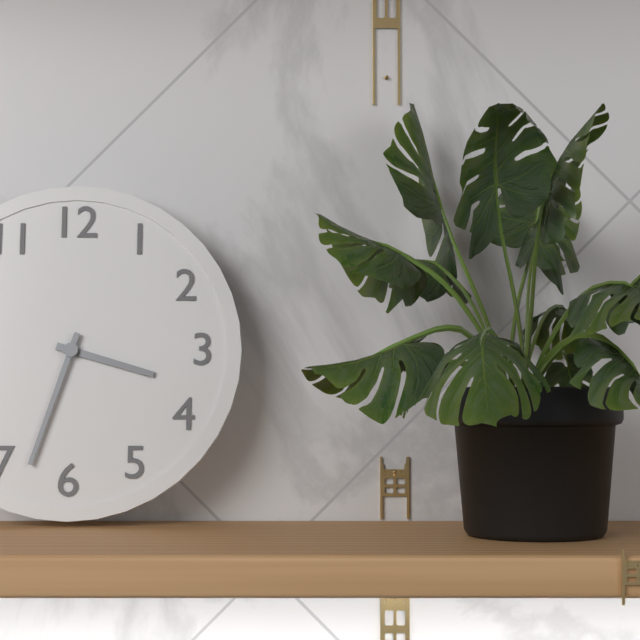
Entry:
3,33
